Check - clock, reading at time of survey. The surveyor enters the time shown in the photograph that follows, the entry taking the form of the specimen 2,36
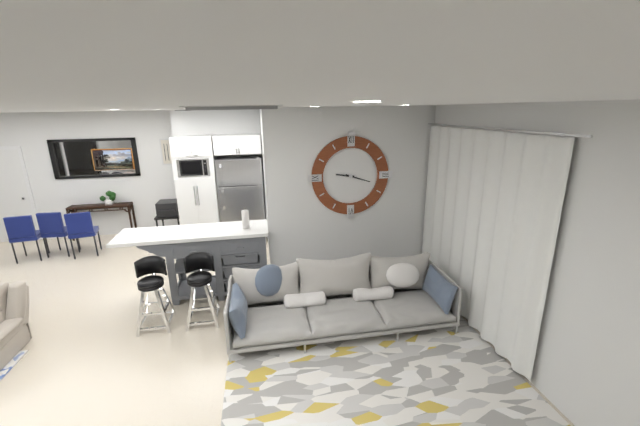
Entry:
9,18
